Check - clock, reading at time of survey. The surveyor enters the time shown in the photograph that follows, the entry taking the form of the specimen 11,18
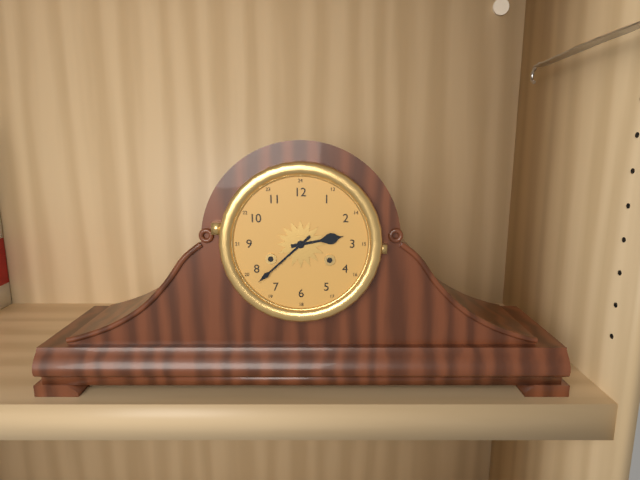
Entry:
2,38
